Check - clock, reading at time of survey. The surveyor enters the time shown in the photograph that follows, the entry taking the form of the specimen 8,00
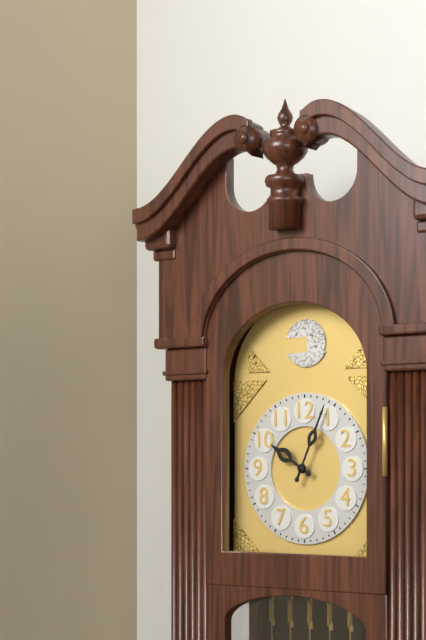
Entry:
10,04
